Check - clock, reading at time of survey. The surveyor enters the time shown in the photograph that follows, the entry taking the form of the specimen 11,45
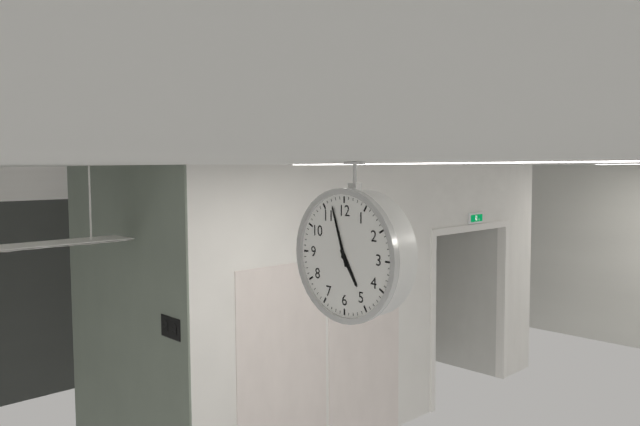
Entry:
4,57
